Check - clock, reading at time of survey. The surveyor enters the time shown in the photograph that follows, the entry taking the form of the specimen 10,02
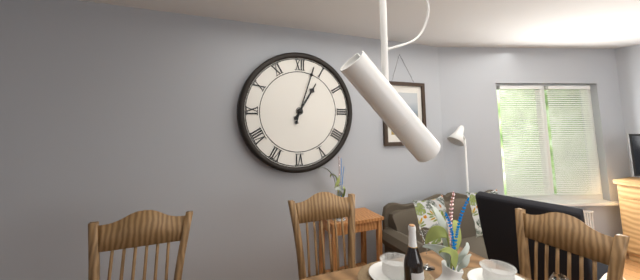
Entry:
1,03
